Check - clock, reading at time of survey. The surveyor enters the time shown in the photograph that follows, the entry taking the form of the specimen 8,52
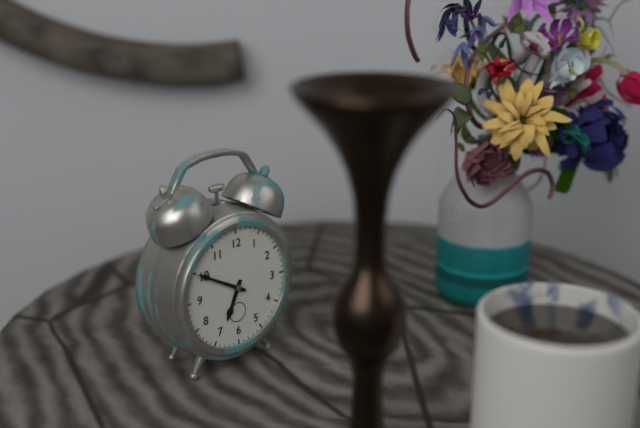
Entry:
6,50
